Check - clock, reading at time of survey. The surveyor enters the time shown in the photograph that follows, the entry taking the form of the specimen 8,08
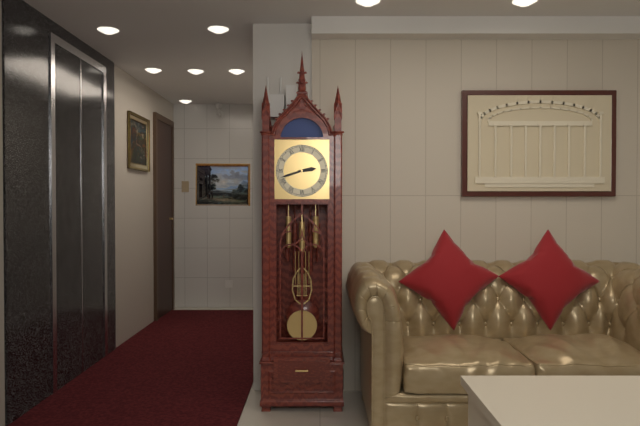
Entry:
2,42
